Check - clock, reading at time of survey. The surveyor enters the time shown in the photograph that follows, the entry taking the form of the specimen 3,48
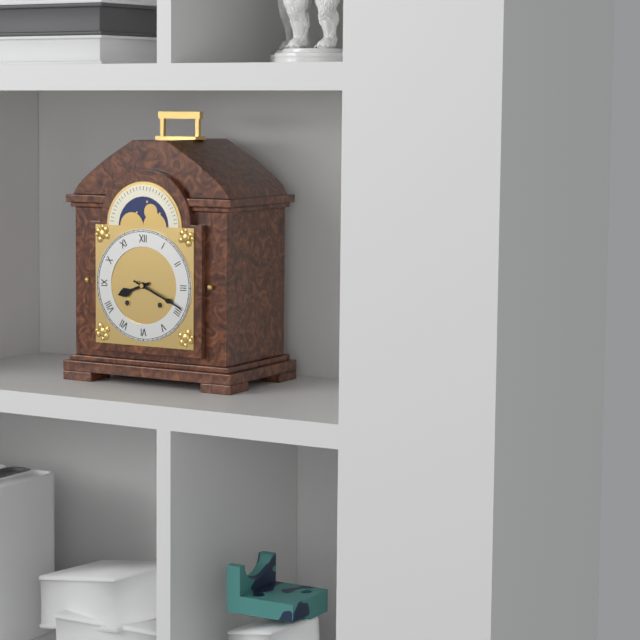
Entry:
8,19
